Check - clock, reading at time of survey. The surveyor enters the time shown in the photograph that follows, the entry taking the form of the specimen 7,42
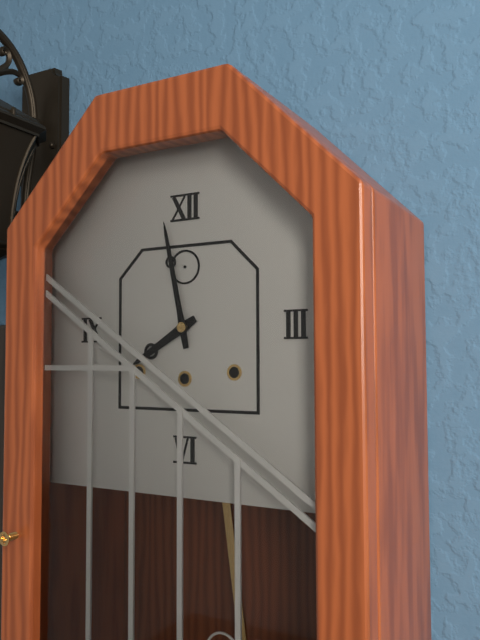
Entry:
7,58
